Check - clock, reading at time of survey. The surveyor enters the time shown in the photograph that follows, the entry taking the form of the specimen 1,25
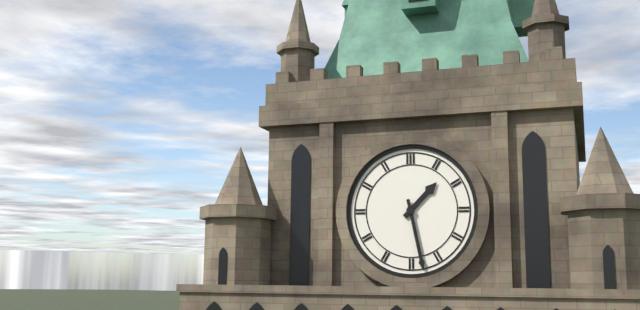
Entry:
1,28
